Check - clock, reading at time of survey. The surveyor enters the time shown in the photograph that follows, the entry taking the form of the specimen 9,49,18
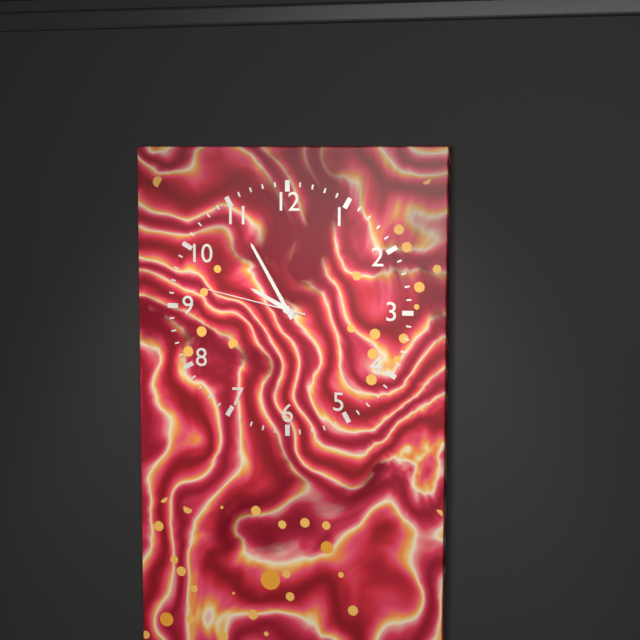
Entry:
9,55,47
